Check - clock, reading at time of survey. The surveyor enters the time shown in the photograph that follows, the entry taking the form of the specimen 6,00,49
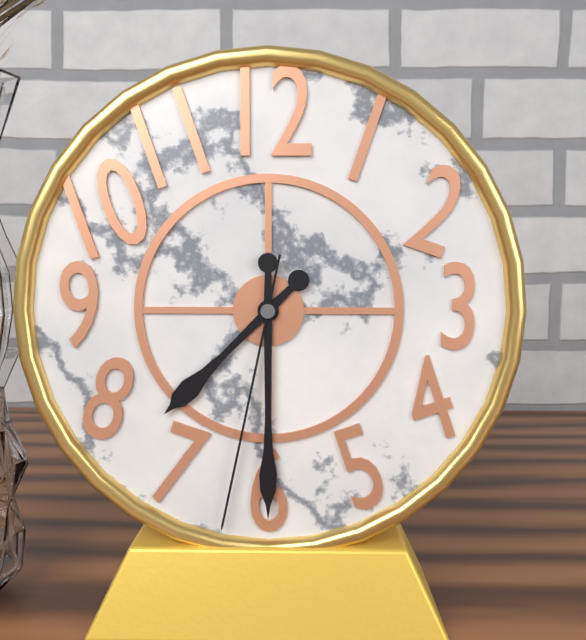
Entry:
7,30,32
